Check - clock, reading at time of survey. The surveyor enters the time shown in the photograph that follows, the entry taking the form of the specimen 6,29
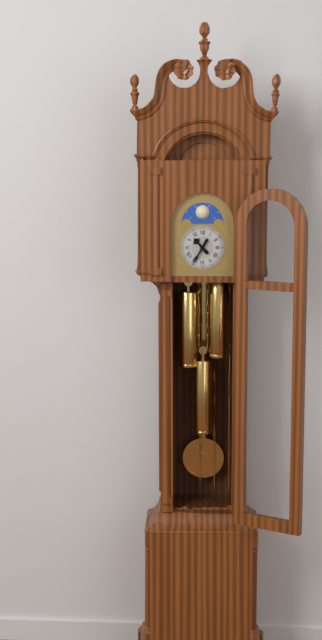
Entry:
10,35
